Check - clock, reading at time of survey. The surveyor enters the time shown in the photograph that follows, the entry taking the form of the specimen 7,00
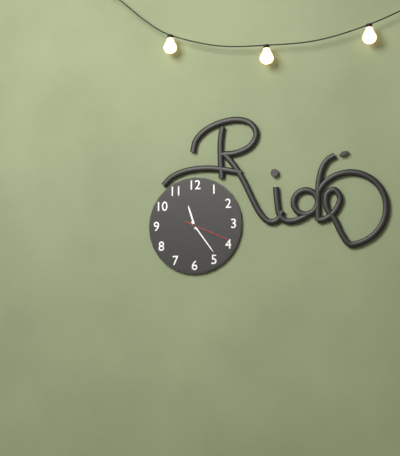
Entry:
11,24
